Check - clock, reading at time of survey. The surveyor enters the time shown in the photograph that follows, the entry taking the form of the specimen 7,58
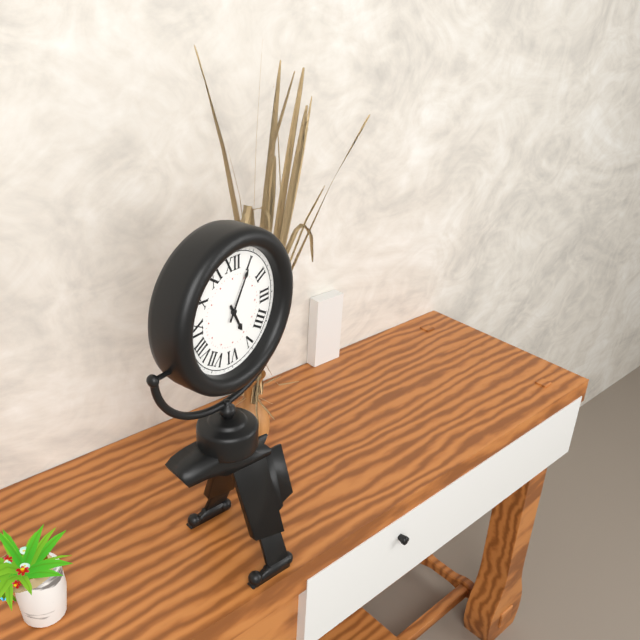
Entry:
5,05
